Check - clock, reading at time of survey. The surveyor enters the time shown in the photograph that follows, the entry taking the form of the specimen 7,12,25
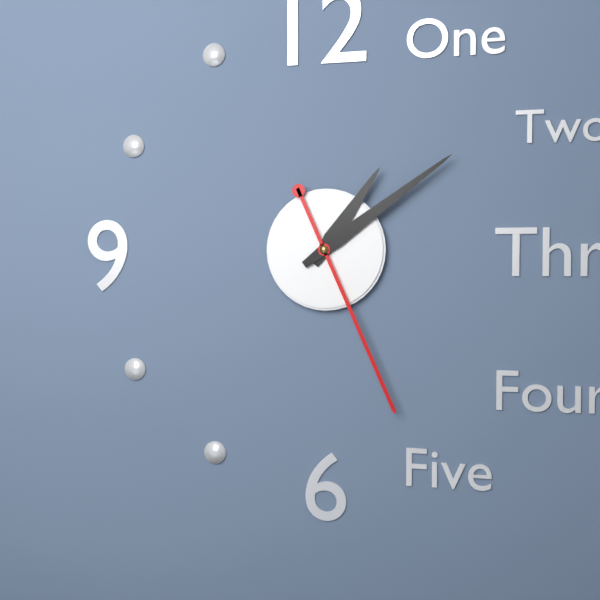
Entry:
1,09,26
